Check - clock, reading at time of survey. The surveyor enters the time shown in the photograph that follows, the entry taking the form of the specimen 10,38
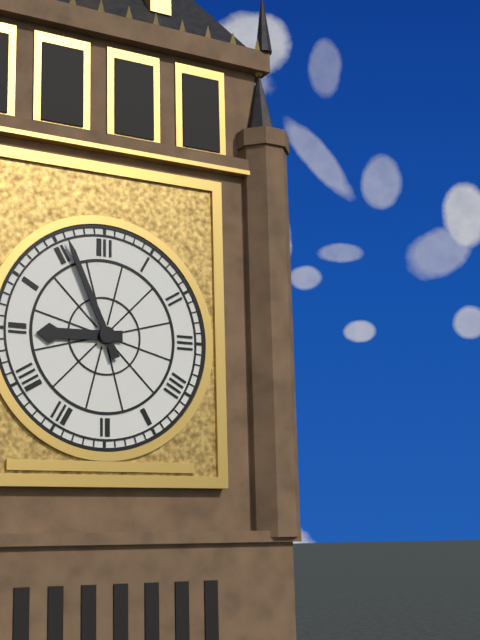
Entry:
8,56
